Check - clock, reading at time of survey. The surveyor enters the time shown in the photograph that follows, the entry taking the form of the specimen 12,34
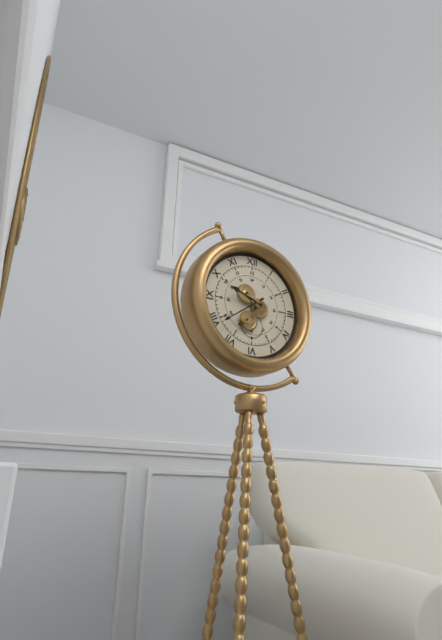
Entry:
9,39
